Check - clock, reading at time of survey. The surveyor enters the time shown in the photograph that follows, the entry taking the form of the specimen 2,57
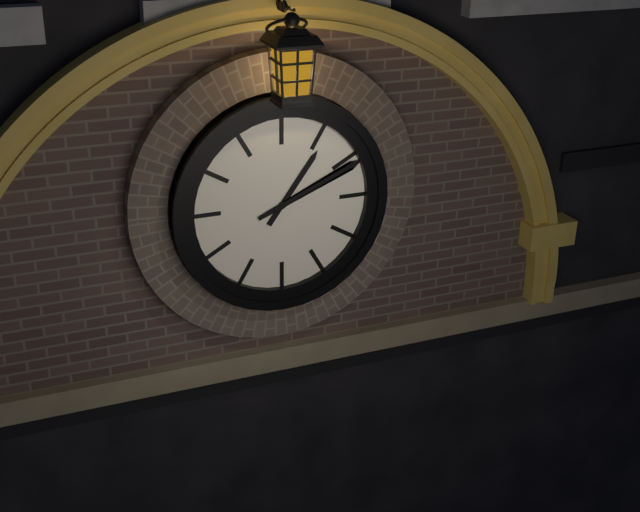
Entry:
1,11
